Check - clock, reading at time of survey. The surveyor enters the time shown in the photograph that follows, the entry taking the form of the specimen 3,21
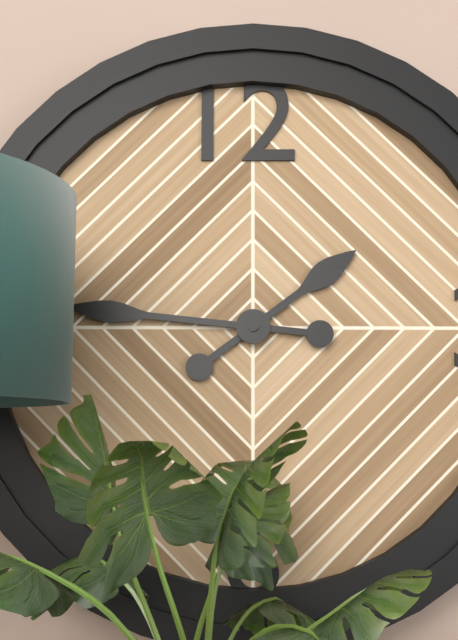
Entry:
1,46
